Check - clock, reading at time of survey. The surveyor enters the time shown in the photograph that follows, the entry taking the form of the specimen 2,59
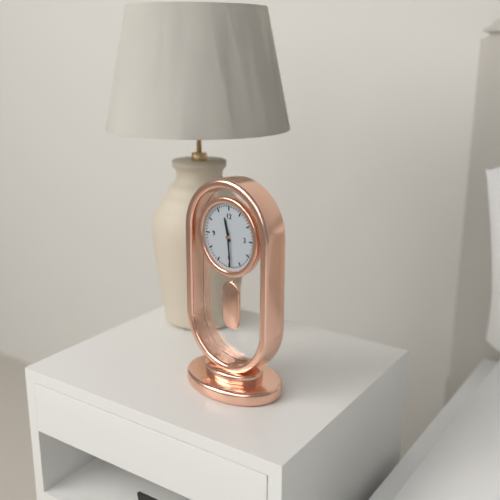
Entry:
11,29
